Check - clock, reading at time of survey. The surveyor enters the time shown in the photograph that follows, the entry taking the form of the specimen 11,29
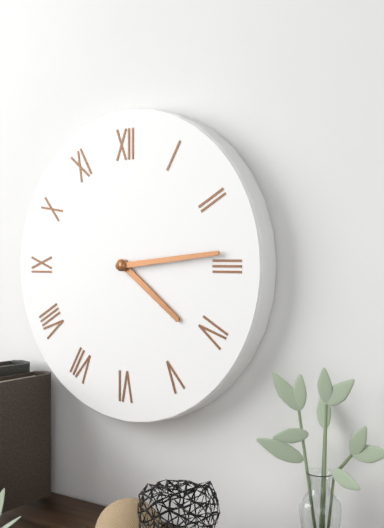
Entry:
4,14
